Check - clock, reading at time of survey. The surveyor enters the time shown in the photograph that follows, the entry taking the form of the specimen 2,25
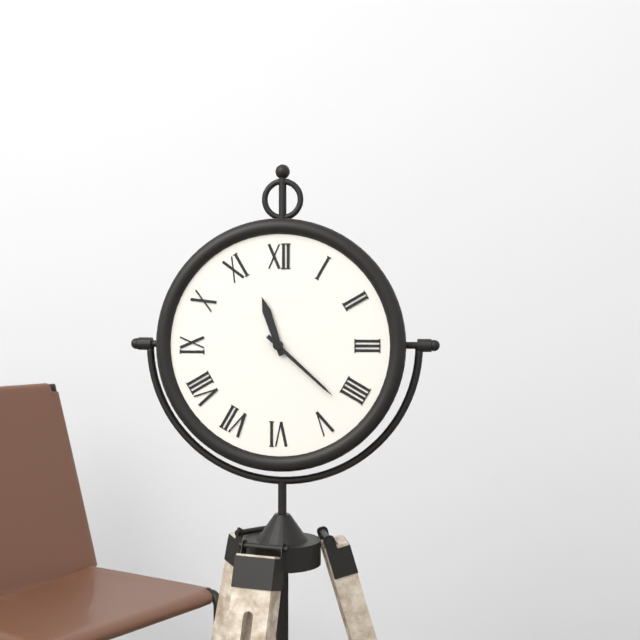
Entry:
11,22
